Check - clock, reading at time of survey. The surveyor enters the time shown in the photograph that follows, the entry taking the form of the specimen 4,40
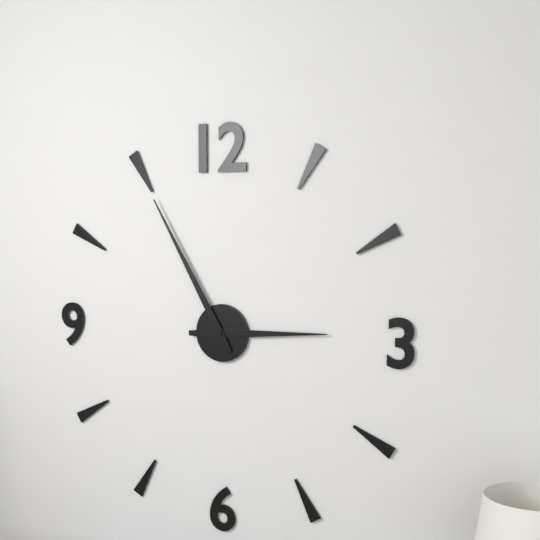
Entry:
2,55
